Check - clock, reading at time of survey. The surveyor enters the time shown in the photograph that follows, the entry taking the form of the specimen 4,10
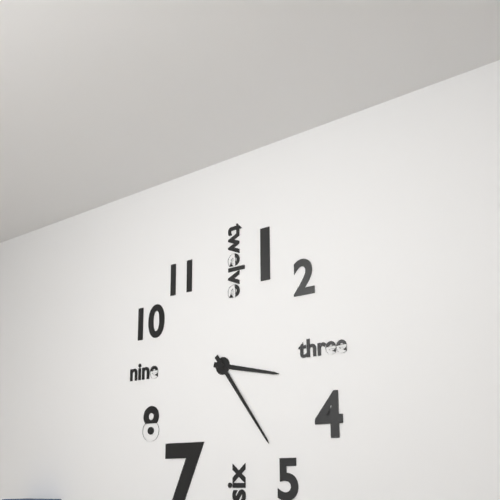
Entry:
3,24
